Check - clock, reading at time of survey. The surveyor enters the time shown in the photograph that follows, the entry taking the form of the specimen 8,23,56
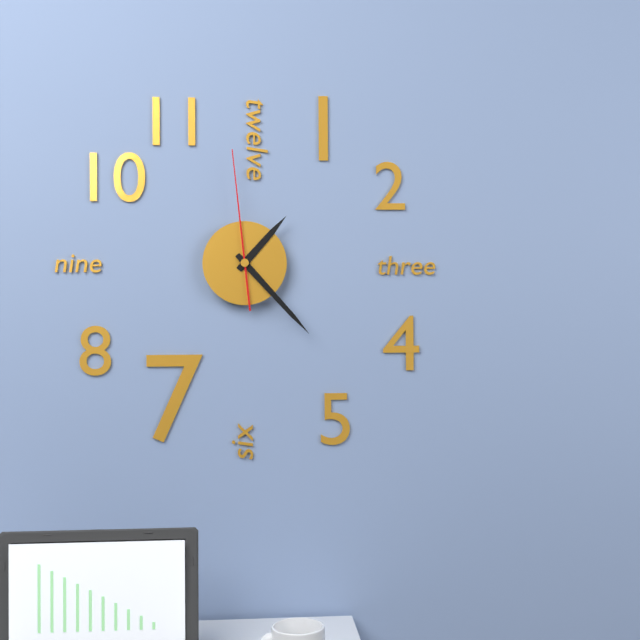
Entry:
1,23,59
